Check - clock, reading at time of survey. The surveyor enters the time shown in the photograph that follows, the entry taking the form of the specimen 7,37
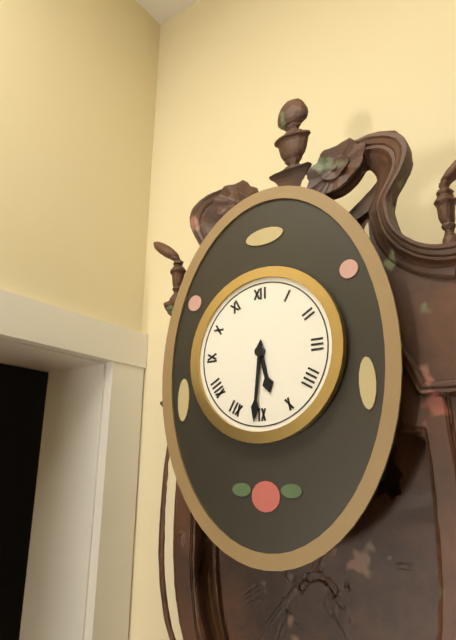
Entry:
5,31
